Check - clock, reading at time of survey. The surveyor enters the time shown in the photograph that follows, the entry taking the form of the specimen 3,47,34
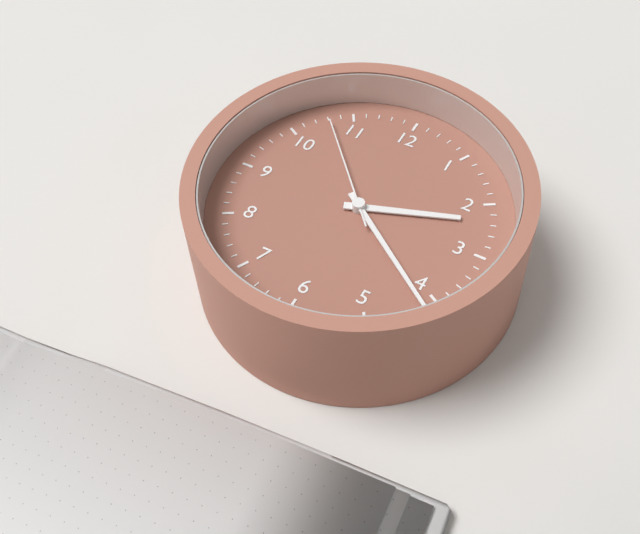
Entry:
2,21,53
